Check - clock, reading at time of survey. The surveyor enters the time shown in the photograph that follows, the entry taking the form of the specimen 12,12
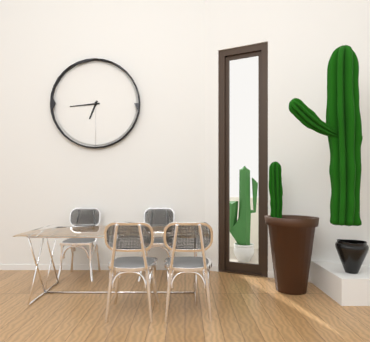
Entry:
6,44
